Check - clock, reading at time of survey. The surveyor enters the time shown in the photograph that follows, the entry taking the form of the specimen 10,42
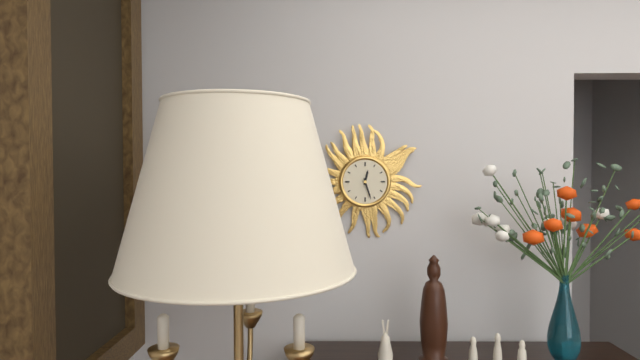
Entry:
12,27
